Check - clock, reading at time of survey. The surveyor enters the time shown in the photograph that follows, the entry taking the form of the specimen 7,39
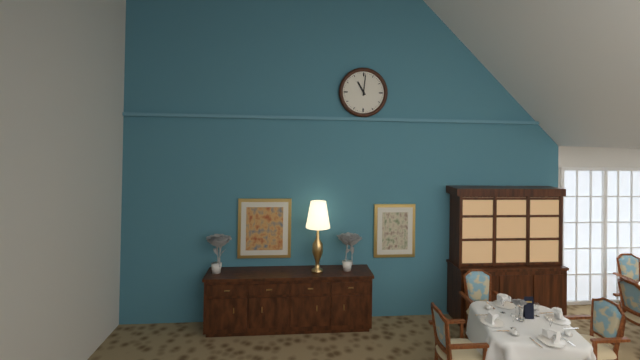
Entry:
11,01
